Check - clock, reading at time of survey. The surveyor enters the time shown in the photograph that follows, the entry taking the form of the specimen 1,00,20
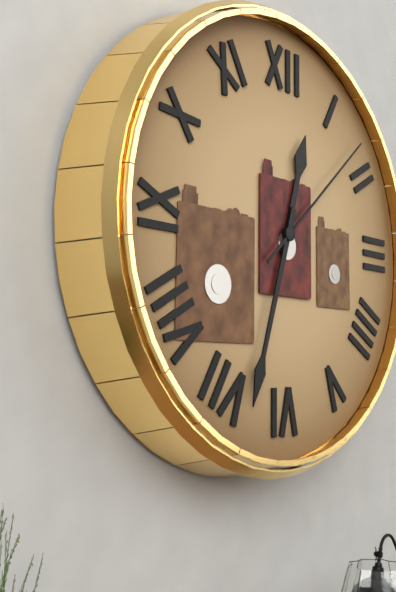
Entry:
12,33,08
